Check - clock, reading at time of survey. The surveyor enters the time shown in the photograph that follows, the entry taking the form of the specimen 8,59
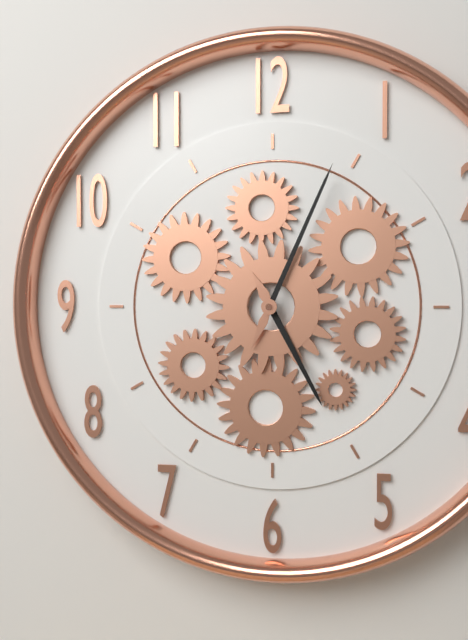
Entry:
5,04
